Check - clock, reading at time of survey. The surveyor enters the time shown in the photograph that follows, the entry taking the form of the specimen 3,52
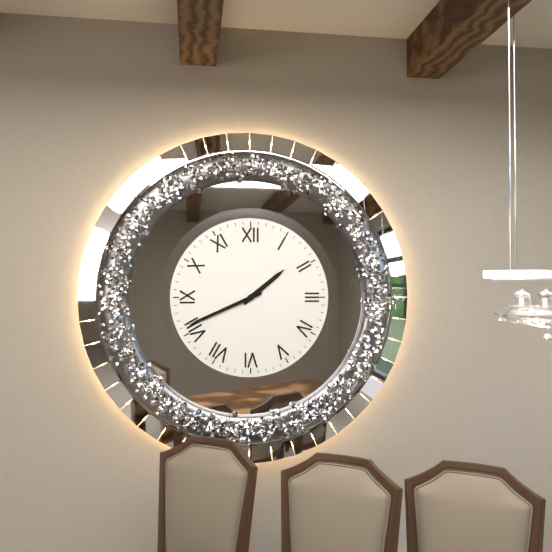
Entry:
1,41
